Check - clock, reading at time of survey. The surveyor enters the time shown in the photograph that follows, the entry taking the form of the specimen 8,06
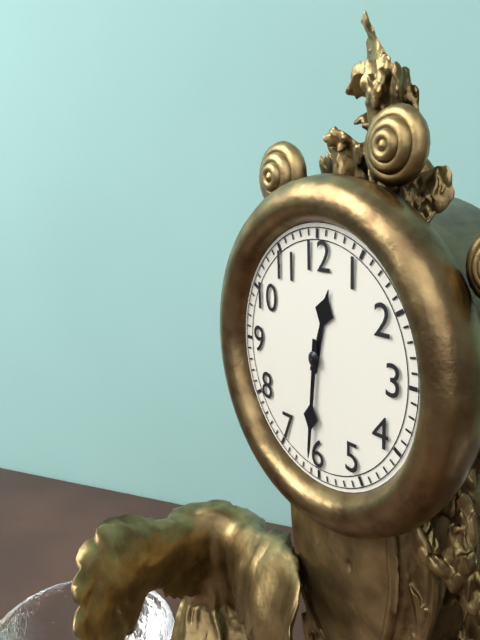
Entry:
12,31
